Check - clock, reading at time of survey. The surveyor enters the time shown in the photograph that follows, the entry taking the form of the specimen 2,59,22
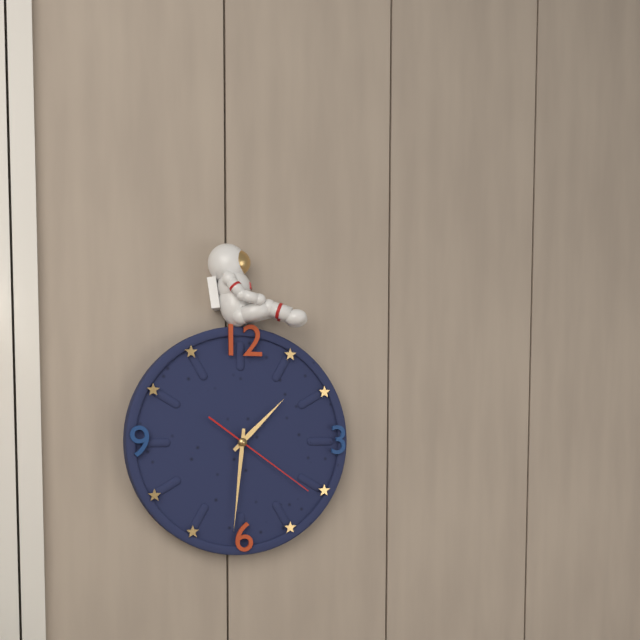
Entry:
1,31,21
